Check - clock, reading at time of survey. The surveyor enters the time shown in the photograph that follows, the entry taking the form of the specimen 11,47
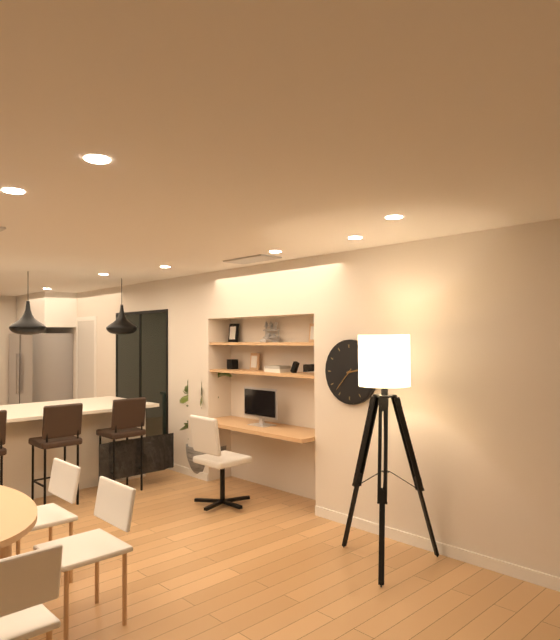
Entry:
2,37
